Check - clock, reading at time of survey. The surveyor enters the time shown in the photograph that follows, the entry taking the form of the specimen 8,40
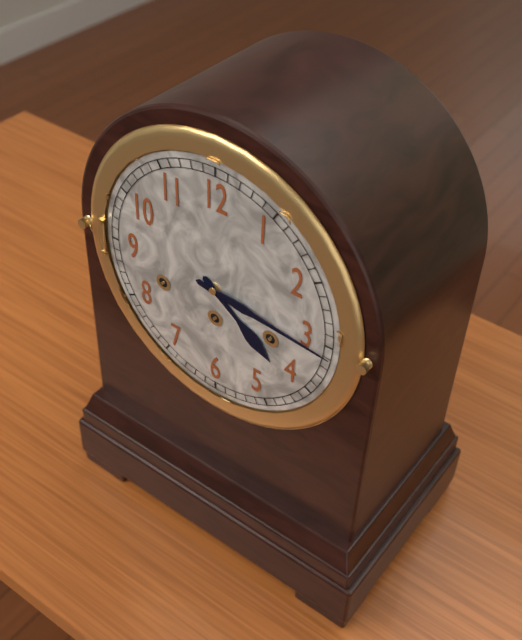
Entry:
4,16
